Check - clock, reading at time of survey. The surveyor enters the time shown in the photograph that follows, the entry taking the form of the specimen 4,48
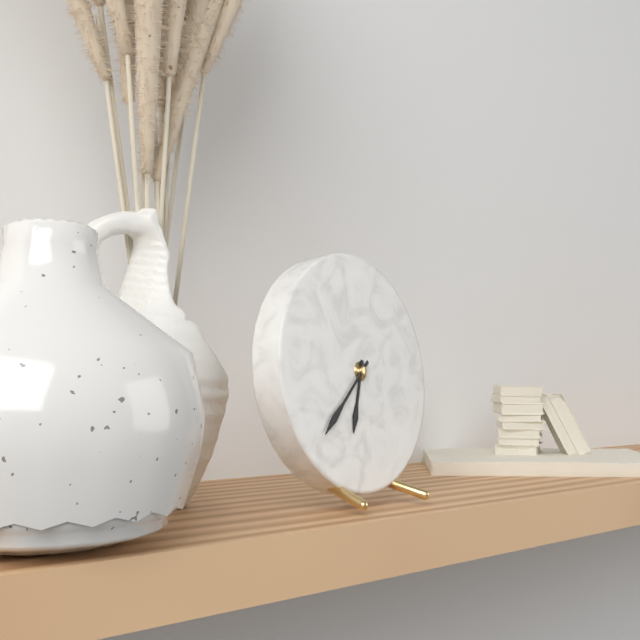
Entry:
6,38
